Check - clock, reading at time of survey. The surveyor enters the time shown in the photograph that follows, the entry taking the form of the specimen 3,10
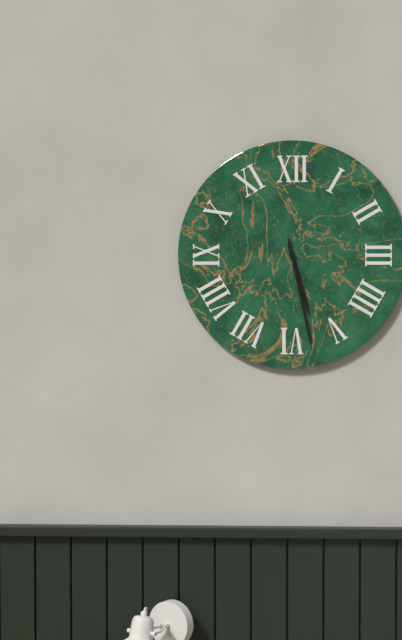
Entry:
5,28
